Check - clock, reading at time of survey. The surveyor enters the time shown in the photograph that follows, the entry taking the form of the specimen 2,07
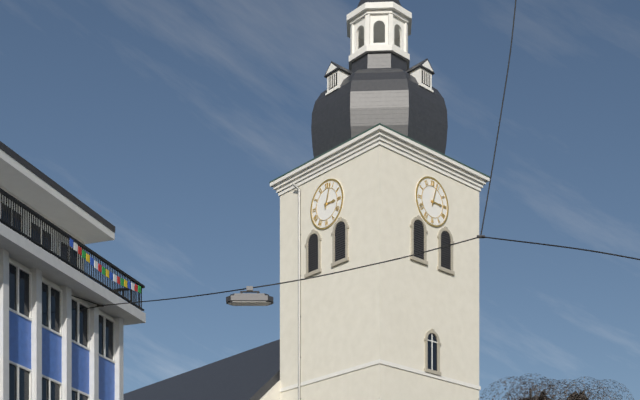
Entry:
3,03
